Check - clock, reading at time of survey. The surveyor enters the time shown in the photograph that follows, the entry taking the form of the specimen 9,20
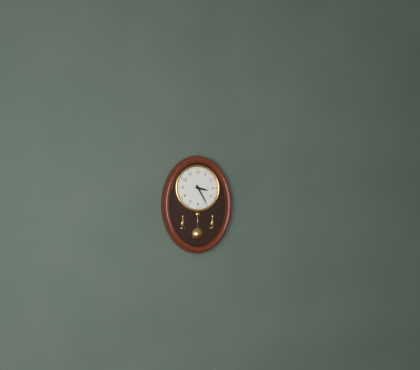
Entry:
3,25
